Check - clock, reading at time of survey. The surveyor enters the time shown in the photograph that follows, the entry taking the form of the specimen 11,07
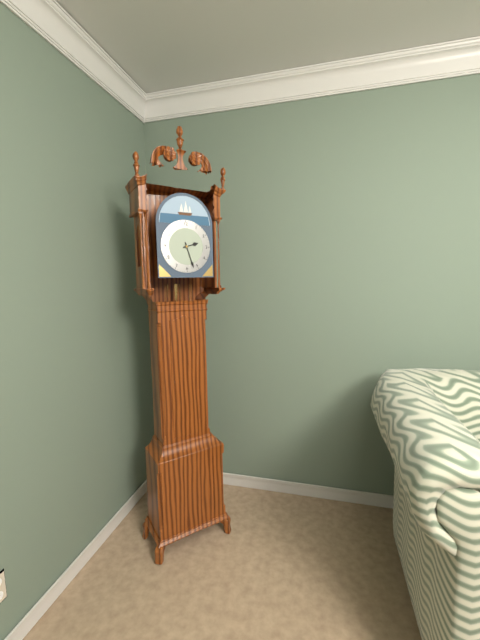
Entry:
2,27
